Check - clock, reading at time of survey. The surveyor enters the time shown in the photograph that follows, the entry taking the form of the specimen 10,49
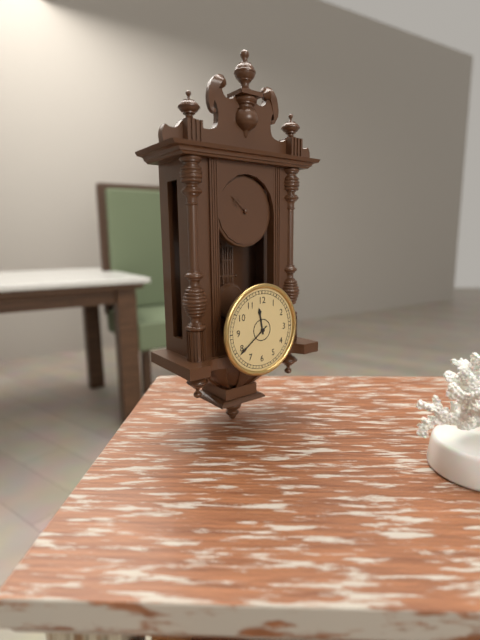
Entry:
11,39
